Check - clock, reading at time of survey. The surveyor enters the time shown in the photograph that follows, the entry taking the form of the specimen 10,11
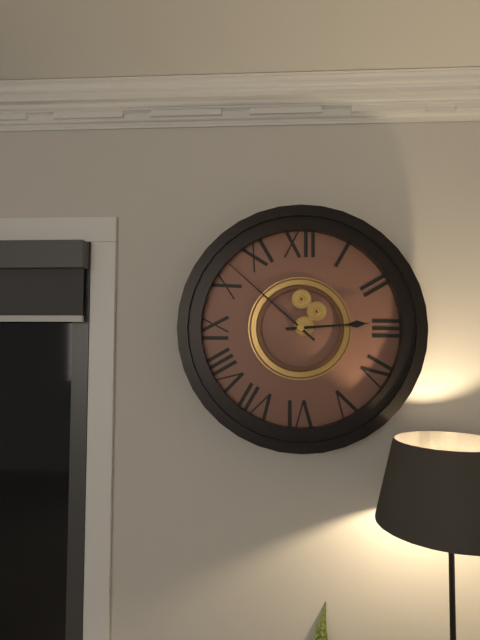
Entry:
2,52
